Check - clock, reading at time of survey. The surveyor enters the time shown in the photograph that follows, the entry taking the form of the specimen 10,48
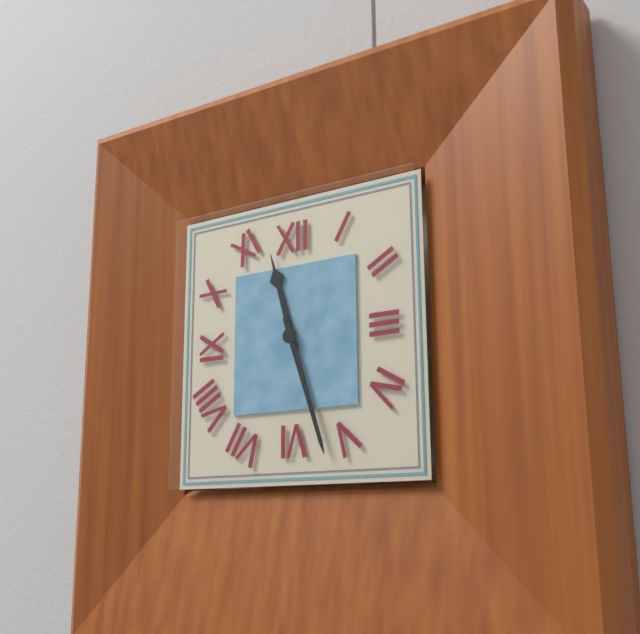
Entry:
11,27
